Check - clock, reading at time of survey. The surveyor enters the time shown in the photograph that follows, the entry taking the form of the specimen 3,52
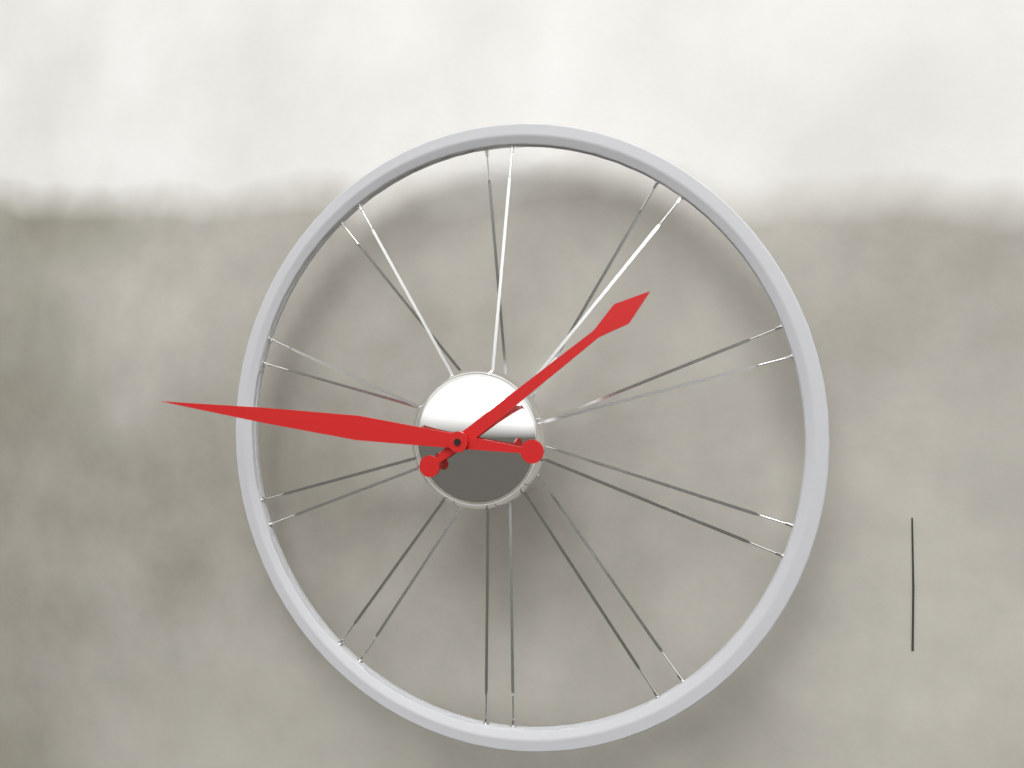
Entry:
1,46
